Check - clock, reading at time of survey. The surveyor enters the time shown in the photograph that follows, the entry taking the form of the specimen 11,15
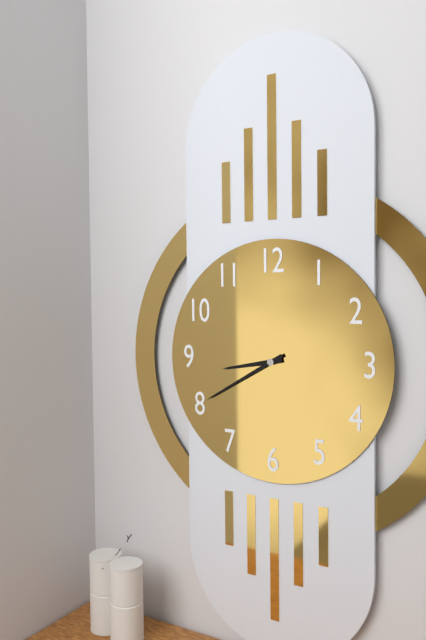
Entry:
8,40
